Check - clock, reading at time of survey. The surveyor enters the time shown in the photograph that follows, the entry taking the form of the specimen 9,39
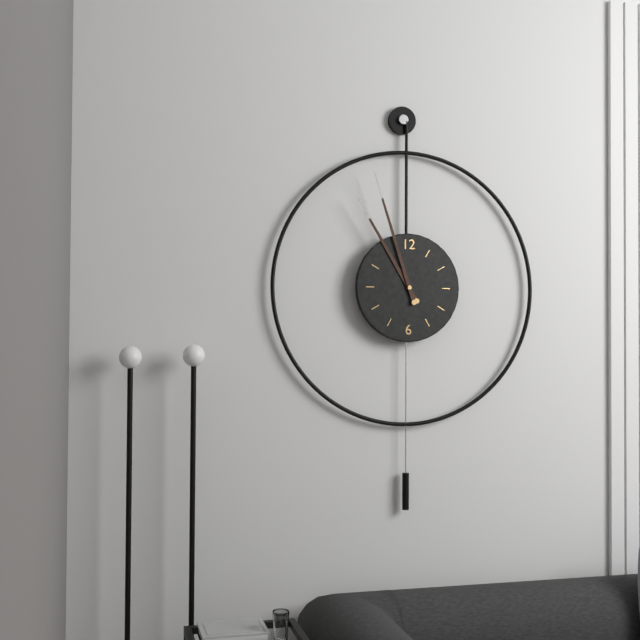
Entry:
10,57
